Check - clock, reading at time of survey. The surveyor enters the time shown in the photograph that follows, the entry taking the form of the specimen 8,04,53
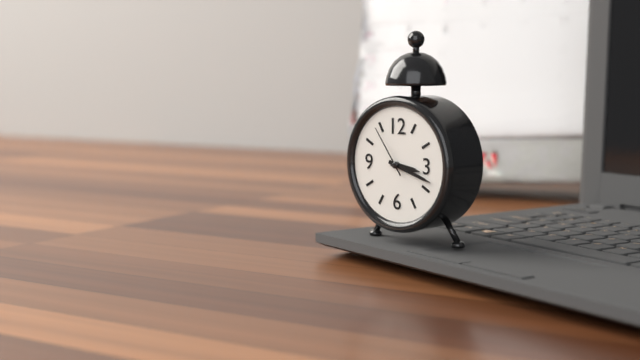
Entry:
3,18,54
